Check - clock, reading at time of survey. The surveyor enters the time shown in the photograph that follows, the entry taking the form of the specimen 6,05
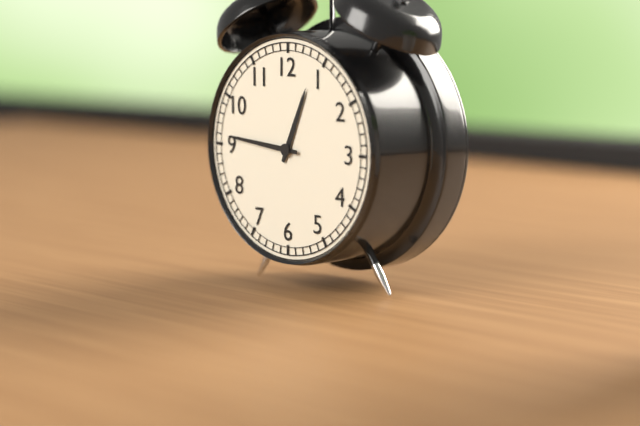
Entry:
12,46
